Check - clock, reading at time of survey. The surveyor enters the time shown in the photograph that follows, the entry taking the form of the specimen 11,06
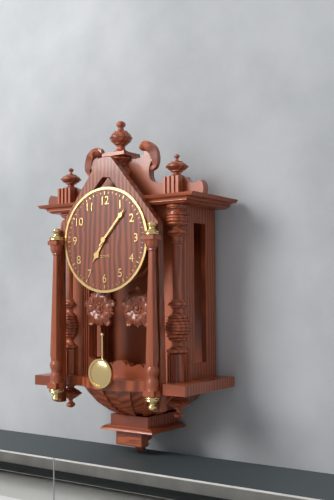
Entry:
7,07
